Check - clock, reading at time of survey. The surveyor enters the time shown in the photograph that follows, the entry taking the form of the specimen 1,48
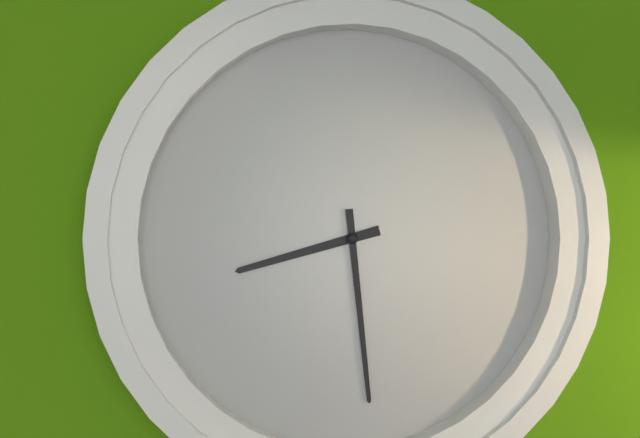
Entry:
8,29
